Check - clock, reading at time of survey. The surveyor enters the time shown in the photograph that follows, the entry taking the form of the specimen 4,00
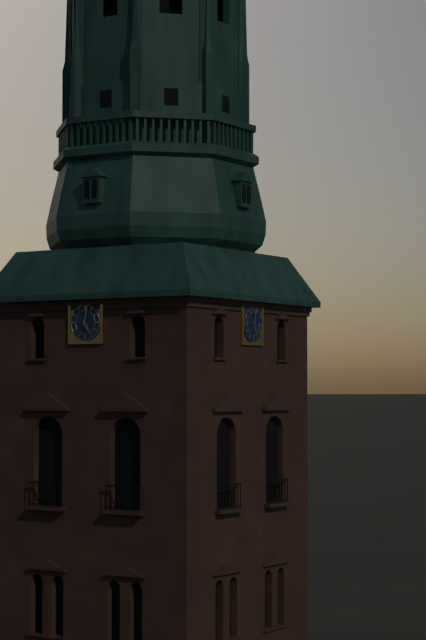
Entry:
5,02
